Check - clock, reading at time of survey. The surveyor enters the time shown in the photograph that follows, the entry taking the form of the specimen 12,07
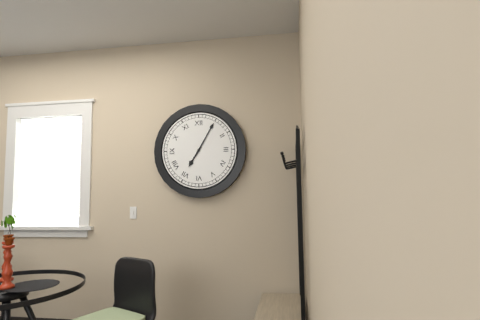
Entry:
7,05
